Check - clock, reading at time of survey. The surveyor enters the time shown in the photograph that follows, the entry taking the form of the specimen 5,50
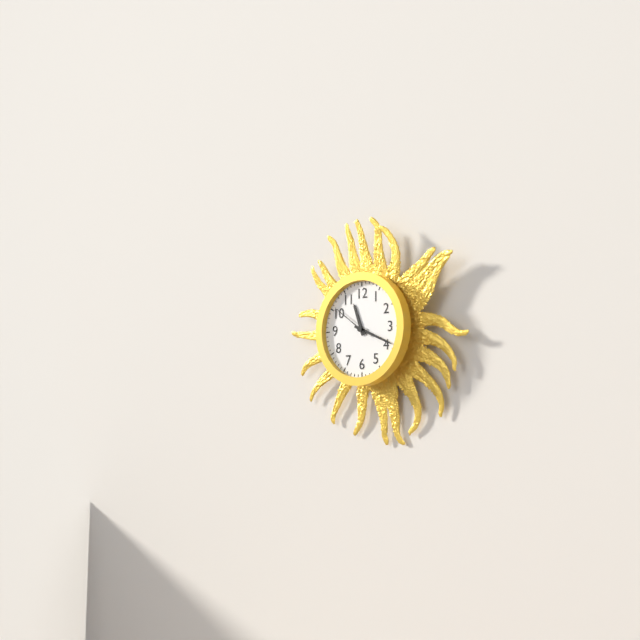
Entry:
11,19
